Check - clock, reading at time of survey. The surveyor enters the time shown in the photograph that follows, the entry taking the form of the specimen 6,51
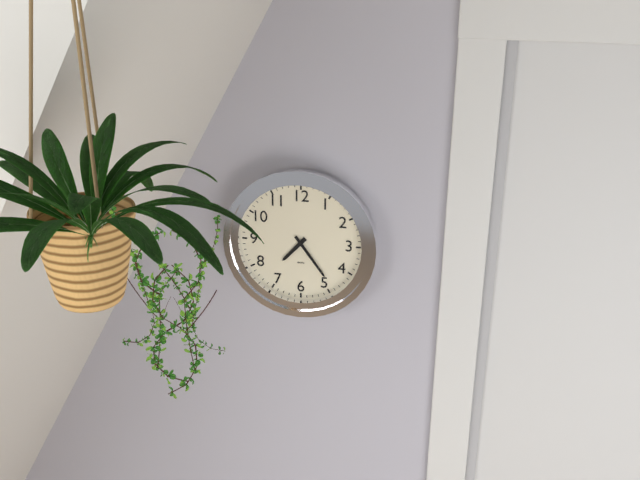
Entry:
7,24
